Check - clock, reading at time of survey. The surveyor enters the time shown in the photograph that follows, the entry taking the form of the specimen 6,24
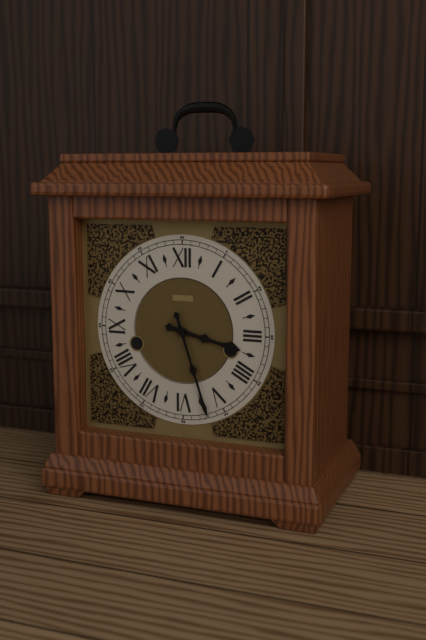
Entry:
3,27
